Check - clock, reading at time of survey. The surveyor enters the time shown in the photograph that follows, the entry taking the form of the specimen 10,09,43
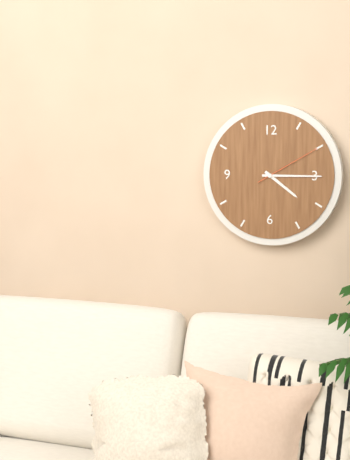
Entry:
4,15,10
